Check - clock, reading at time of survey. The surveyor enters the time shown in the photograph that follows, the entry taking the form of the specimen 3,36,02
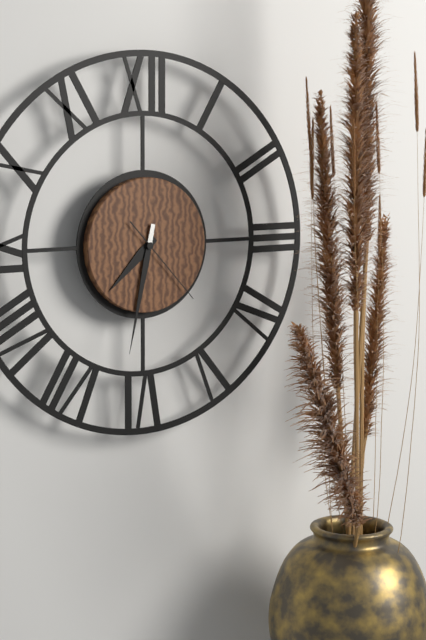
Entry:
7,32,23
